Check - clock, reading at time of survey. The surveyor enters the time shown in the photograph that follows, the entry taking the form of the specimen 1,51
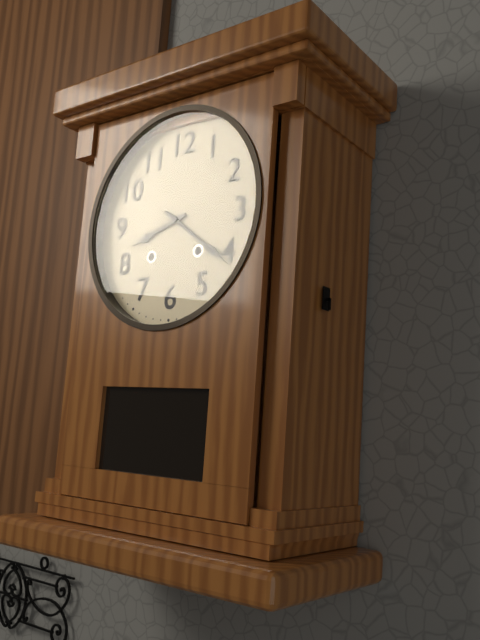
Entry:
8,21
